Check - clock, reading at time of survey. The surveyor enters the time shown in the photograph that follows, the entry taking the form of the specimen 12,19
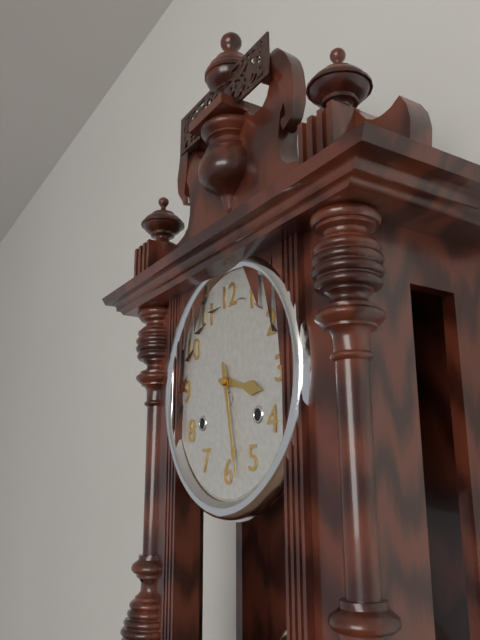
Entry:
3,28
